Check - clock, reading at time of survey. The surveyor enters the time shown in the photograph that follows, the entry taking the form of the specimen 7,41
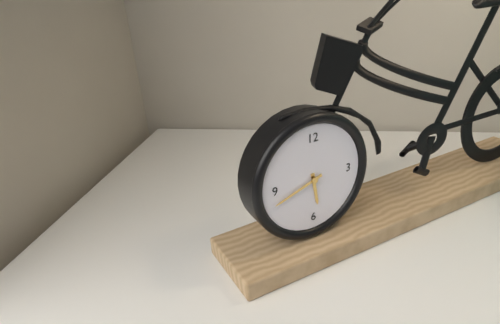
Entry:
5,42
